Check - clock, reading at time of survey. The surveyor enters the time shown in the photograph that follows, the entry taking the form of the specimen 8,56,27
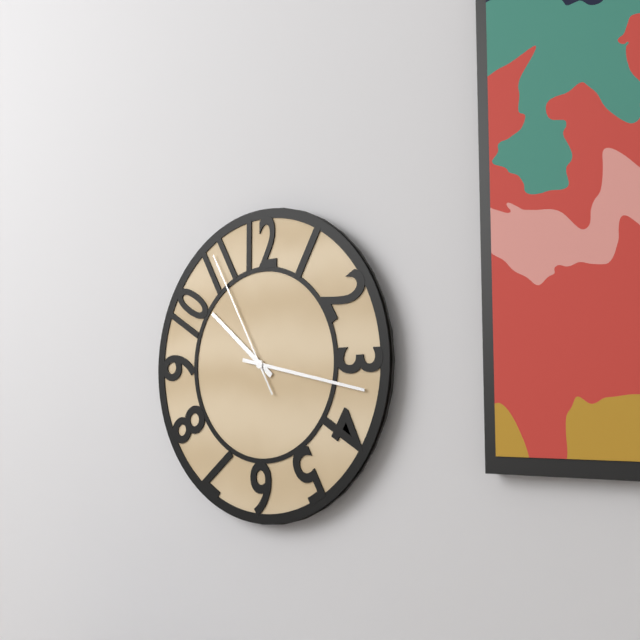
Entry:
10,17,55
